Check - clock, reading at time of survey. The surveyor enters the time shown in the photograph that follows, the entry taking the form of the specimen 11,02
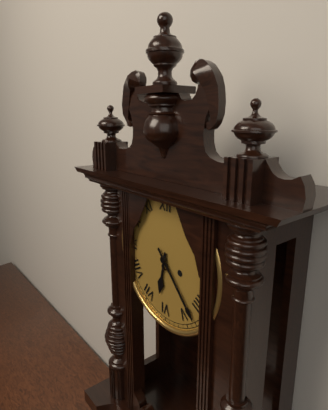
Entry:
6,23
